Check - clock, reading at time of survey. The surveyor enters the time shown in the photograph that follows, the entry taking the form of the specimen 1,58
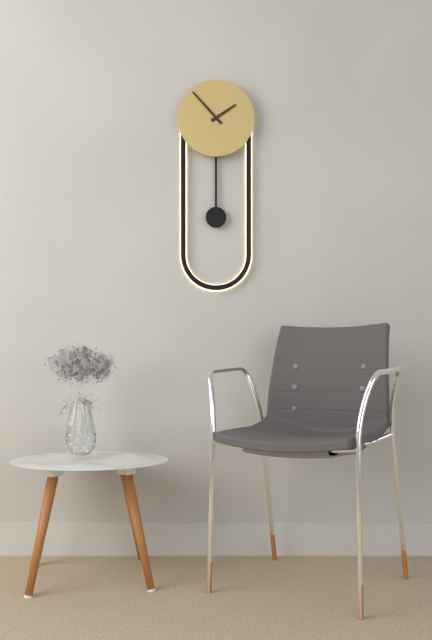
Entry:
1,53
